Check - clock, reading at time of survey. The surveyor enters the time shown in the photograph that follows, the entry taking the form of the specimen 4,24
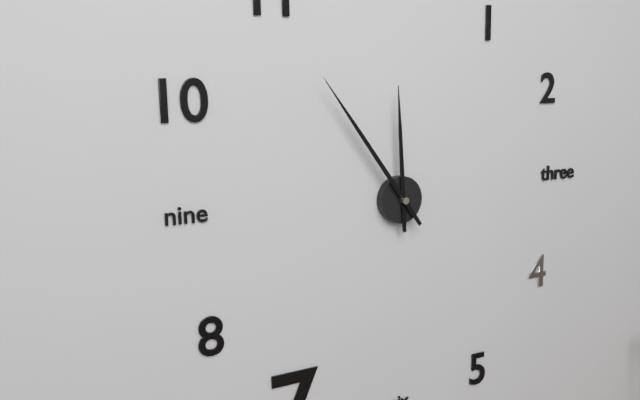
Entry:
11,54
